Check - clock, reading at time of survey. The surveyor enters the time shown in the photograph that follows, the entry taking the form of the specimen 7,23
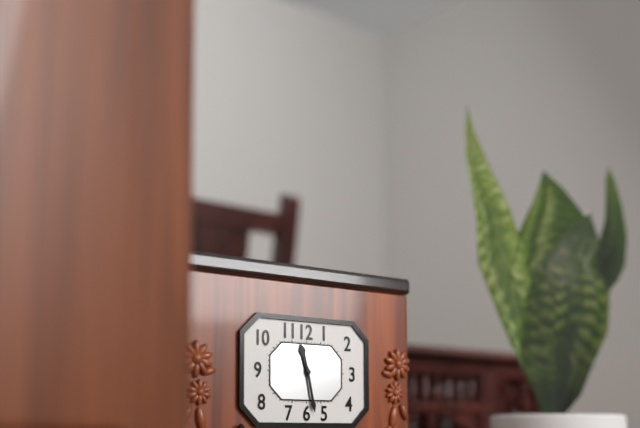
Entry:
11,28
